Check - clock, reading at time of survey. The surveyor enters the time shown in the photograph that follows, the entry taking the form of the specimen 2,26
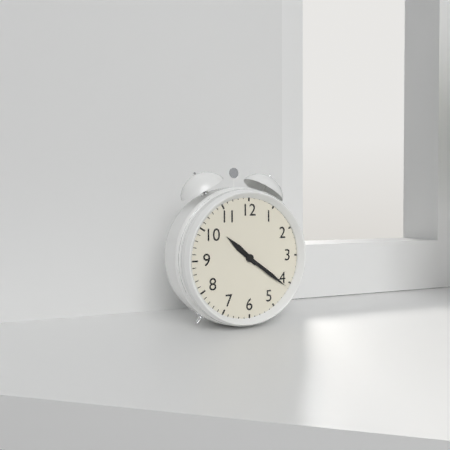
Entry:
10,21
